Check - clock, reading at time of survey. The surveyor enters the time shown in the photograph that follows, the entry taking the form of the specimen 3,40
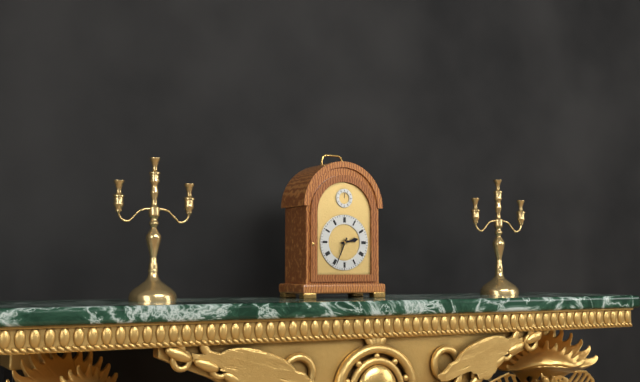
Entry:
2,34
